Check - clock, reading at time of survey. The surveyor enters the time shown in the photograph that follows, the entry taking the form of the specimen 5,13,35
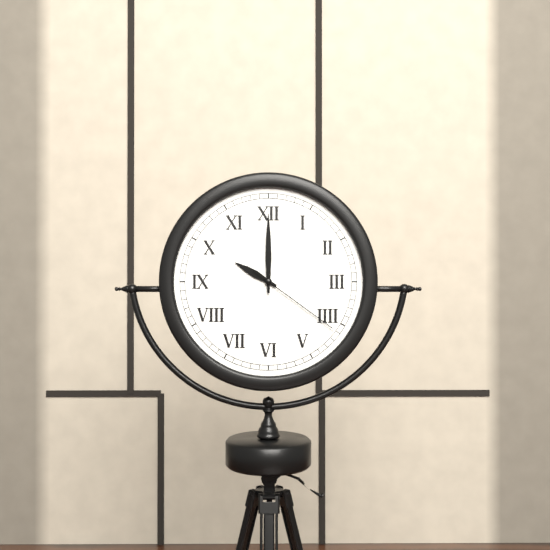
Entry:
10,00,21
